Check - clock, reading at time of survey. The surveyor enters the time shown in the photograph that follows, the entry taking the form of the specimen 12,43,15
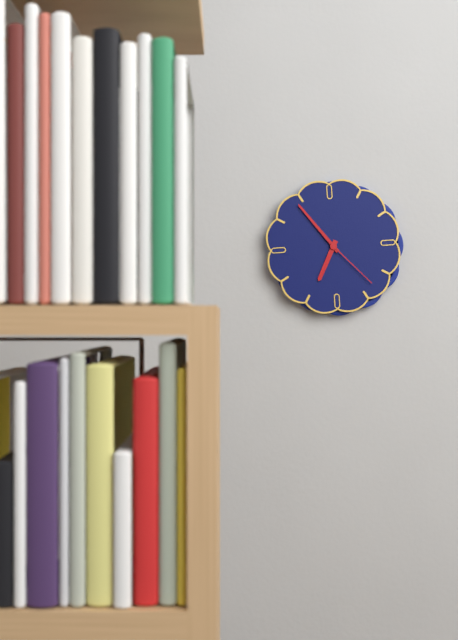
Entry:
6,54,23
